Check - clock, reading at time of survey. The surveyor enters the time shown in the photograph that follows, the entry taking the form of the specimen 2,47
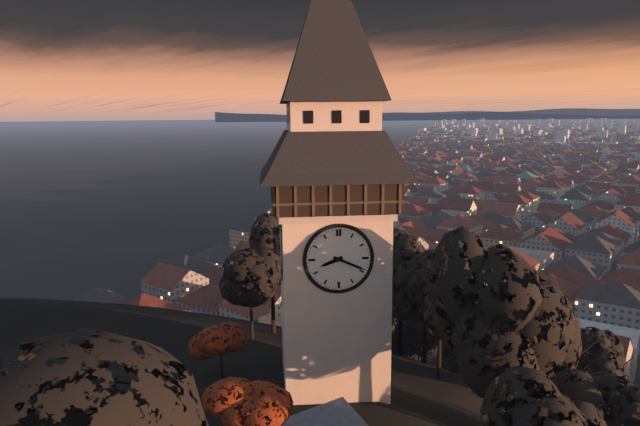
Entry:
8,19
